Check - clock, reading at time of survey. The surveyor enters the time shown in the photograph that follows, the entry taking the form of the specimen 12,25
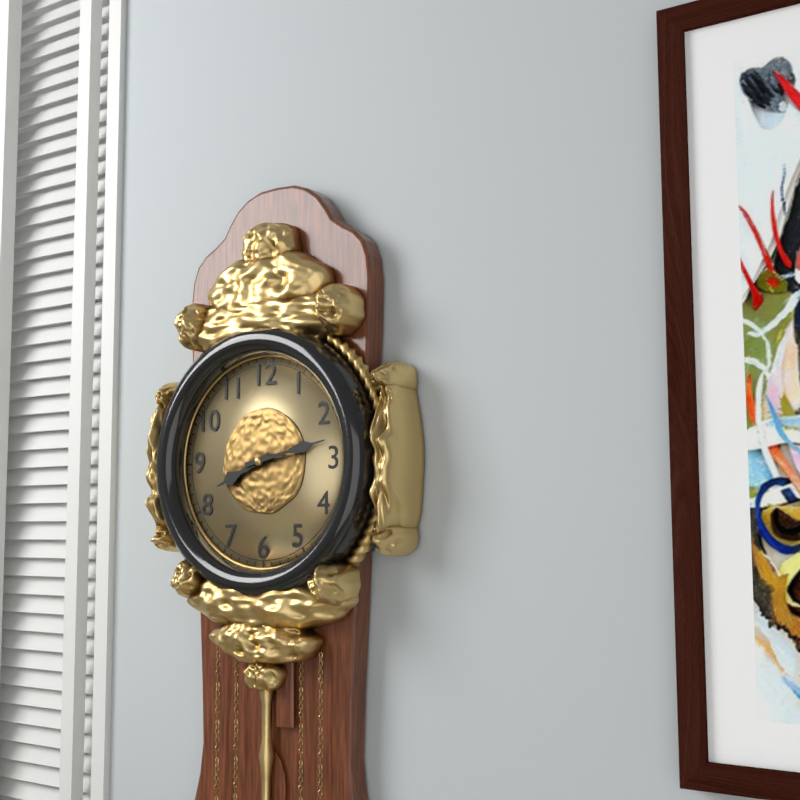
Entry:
8,13
